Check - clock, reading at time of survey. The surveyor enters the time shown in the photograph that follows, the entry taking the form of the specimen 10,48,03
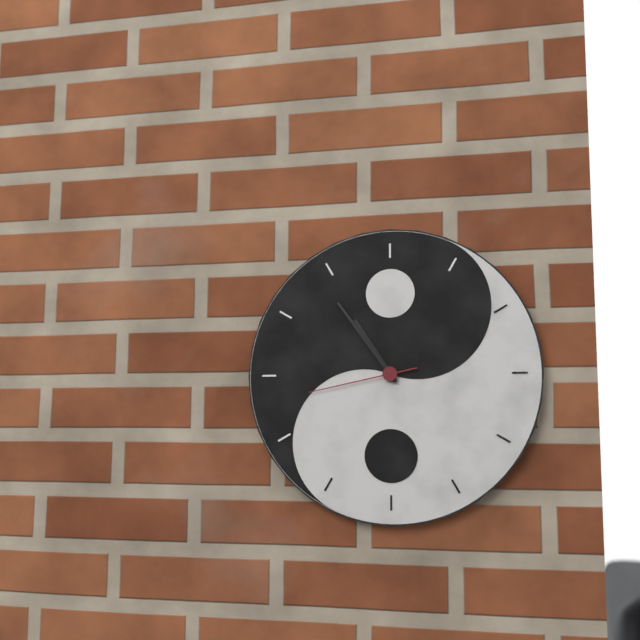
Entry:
10,54,43
